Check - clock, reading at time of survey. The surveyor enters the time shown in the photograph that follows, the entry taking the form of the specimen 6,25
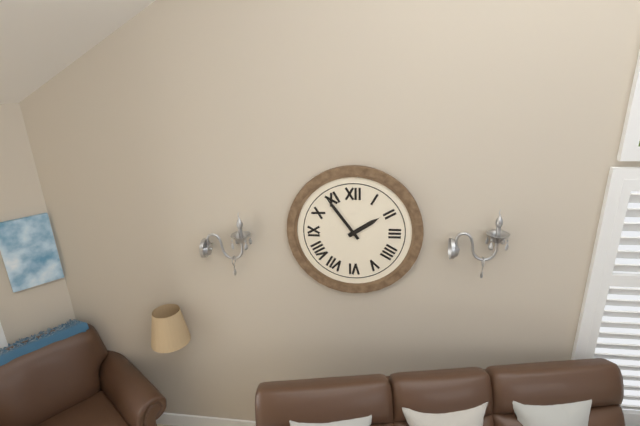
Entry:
1,54
